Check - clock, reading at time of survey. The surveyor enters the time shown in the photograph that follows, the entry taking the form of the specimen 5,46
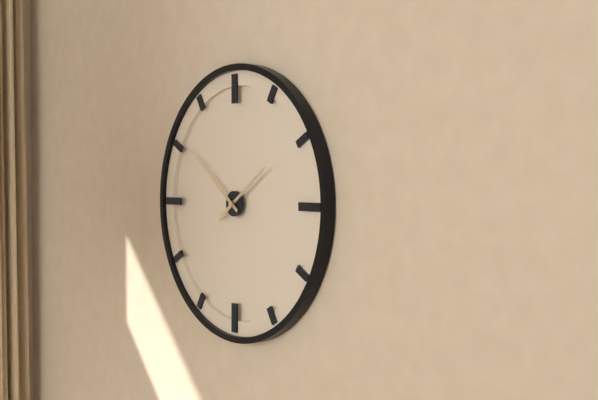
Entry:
1,51
